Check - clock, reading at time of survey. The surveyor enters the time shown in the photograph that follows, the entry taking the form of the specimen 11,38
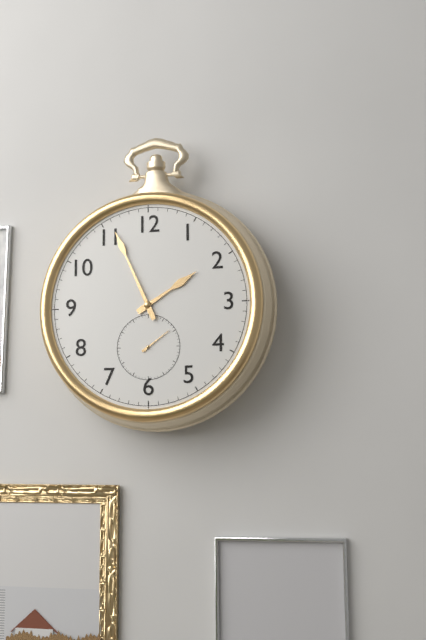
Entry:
1,56
